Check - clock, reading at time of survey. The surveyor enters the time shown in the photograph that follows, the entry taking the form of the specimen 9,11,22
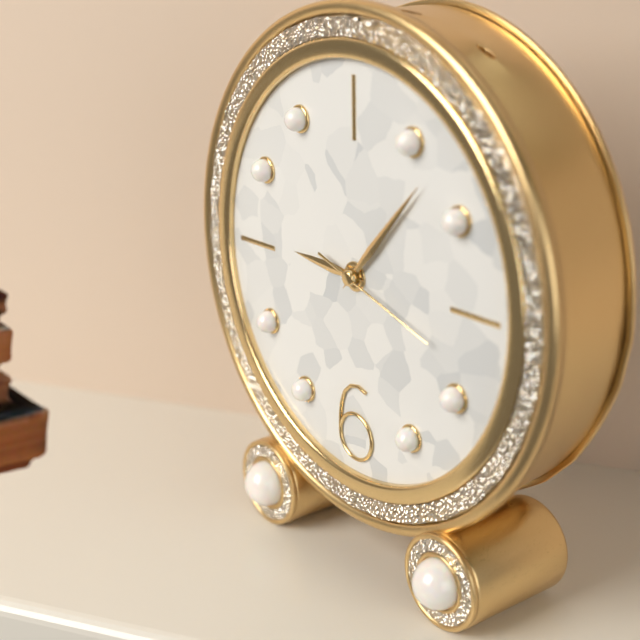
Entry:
9,07,18
